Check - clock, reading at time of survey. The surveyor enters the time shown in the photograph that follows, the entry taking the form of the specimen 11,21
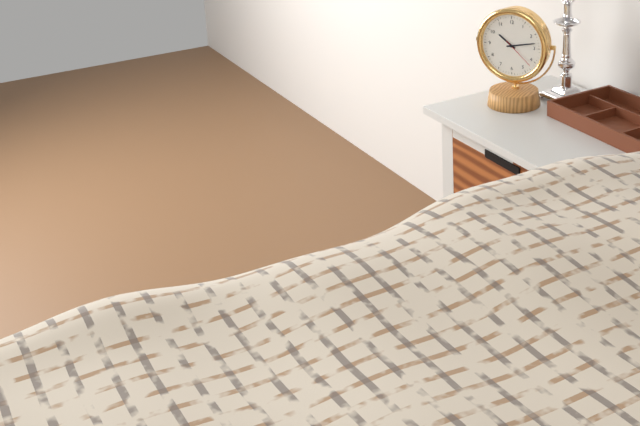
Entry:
10,13
